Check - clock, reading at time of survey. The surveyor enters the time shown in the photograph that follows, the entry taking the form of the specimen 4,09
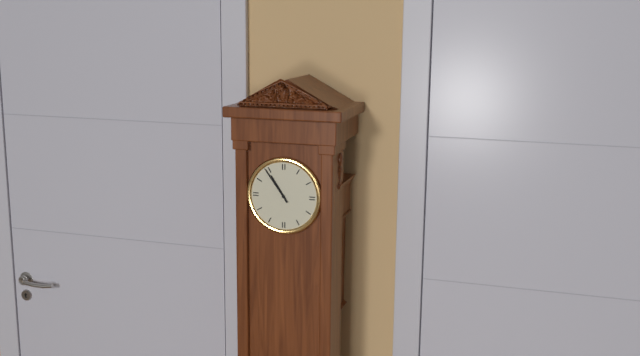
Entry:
10,54
